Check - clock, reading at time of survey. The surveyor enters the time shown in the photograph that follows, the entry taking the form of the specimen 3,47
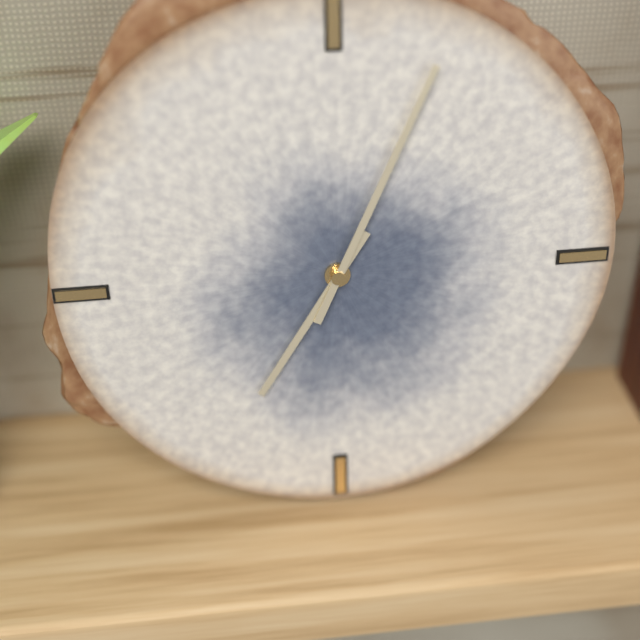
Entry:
7,04
